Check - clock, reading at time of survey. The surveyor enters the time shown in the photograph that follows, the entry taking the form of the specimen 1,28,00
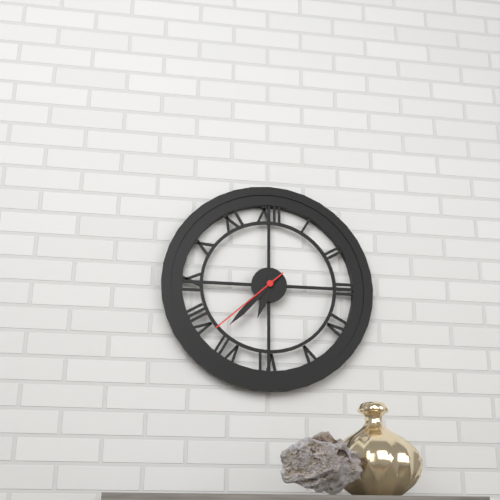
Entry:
6,37,38
